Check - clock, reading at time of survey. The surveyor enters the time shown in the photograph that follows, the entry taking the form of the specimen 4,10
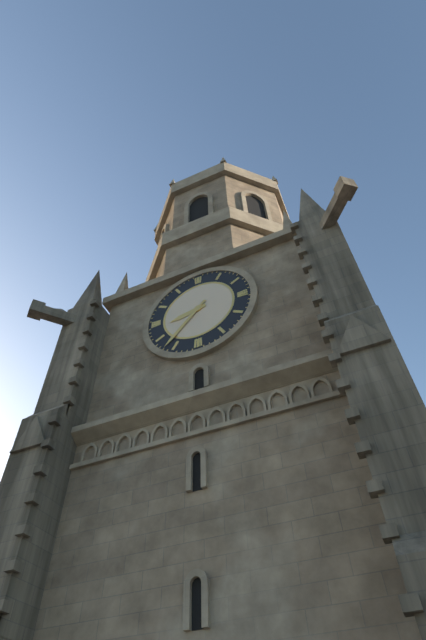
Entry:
8,37
